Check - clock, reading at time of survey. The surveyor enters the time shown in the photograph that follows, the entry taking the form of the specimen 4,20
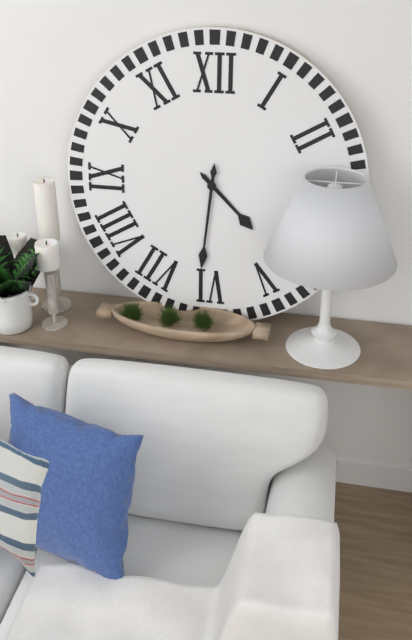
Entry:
4,31
